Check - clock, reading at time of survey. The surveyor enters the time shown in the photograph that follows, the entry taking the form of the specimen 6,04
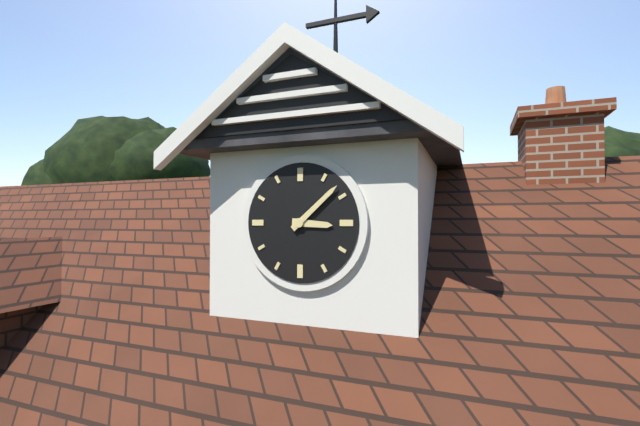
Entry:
3,08
